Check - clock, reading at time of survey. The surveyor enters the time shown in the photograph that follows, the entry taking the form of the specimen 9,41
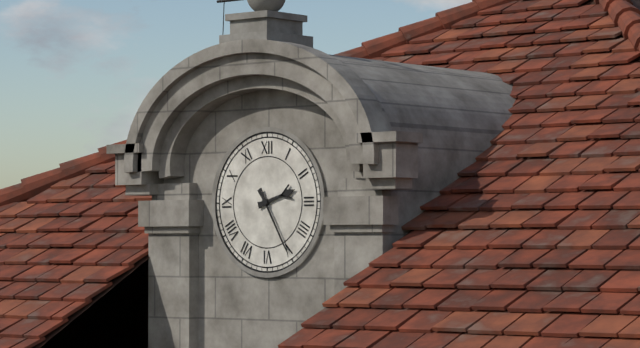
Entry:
2,25
